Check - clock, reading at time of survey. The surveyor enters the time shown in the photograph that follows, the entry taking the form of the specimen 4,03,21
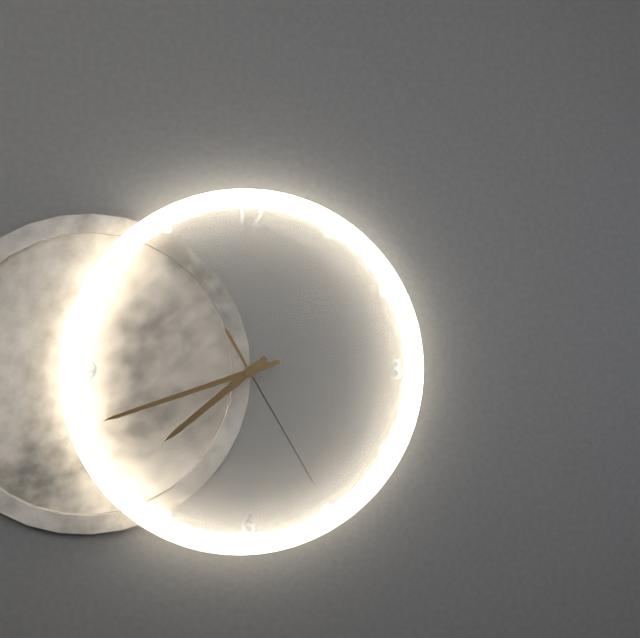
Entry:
7,42,25
